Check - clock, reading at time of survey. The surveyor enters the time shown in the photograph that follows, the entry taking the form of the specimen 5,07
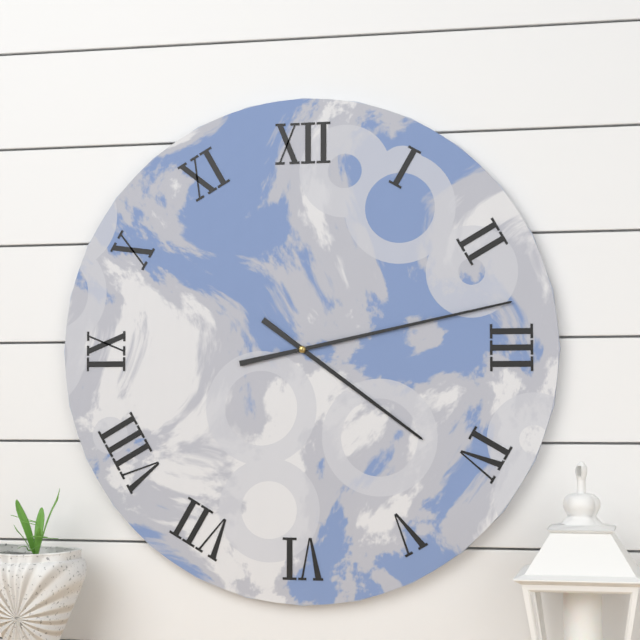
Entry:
4,13
